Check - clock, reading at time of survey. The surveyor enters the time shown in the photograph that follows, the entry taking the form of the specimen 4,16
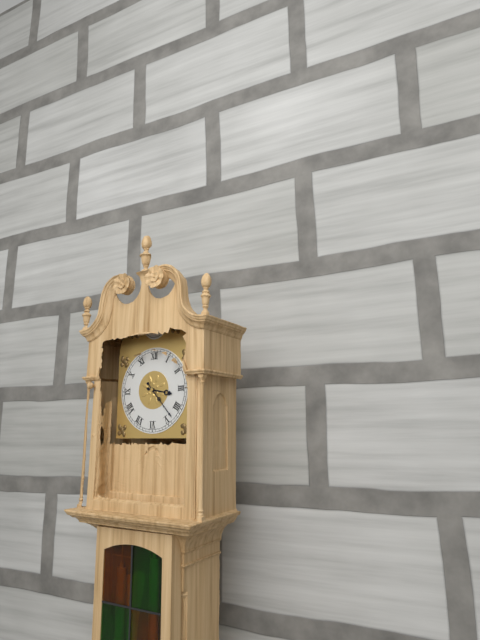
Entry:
3,23
